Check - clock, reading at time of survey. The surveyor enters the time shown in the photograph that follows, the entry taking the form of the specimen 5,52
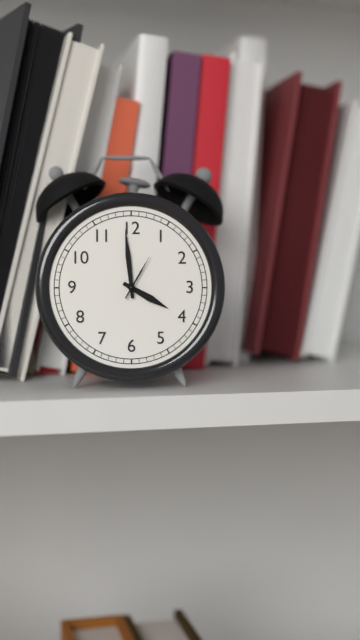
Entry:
3,59
